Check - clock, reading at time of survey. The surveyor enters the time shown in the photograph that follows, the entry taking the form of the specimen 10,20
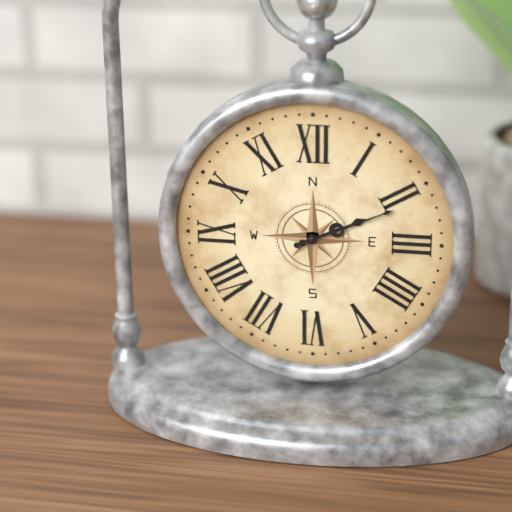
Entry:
2,11
